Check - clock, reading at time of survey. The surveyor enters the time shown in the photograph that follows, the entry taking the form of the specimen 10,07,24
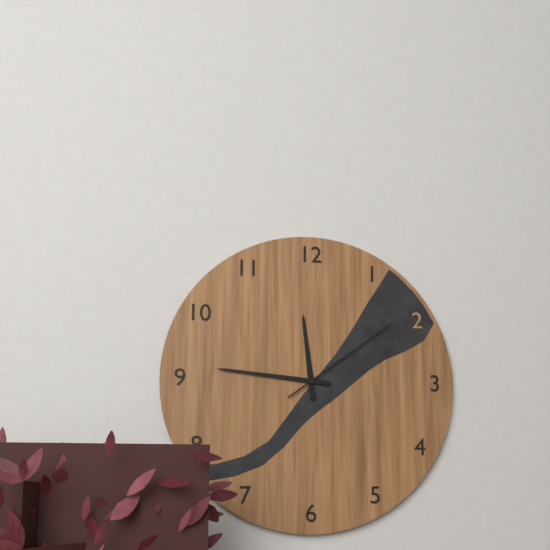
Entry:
11,46,09
